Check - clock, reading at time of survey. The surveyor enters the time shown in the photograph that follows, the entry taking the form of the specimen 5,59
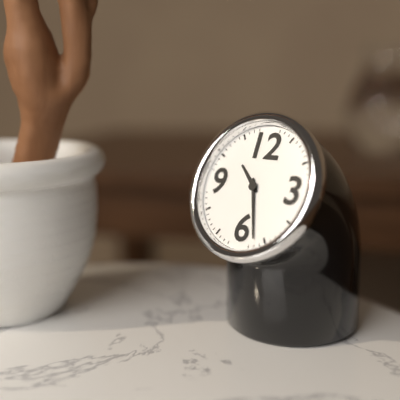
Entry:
10,27
